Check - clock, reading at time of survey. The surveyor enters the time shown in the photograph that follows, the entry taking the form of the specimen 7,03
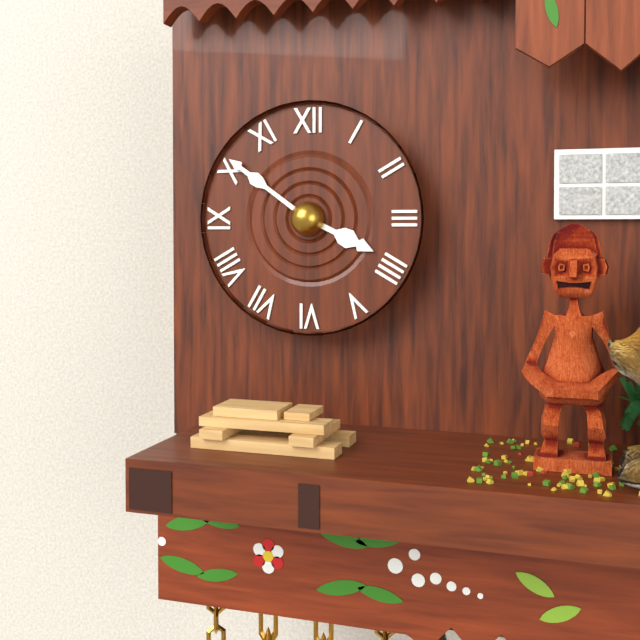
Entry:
3,51
